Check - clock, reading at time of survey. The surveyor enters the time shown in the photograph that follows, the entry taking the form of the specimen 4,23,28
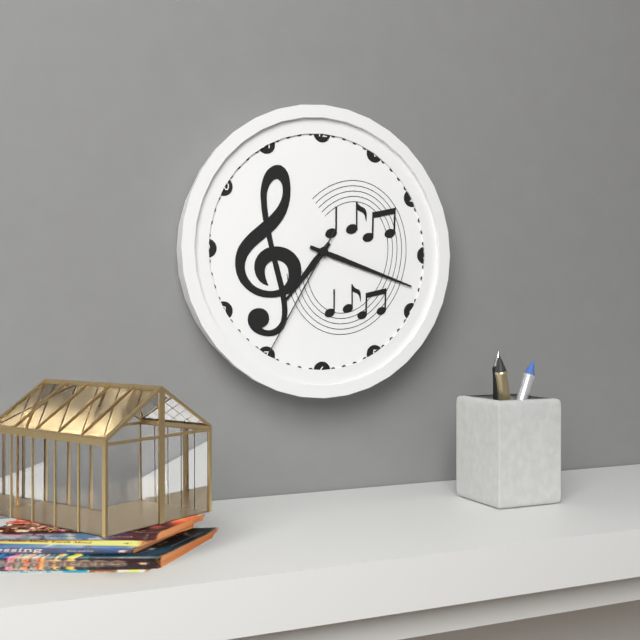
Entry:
7,18,35
